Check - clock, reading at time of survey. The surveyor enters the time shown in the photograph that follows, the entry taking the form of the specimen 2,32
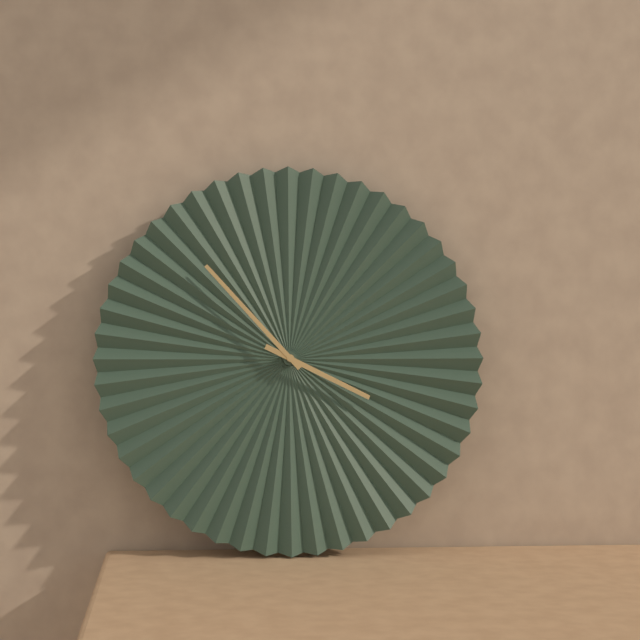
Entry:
3,53
